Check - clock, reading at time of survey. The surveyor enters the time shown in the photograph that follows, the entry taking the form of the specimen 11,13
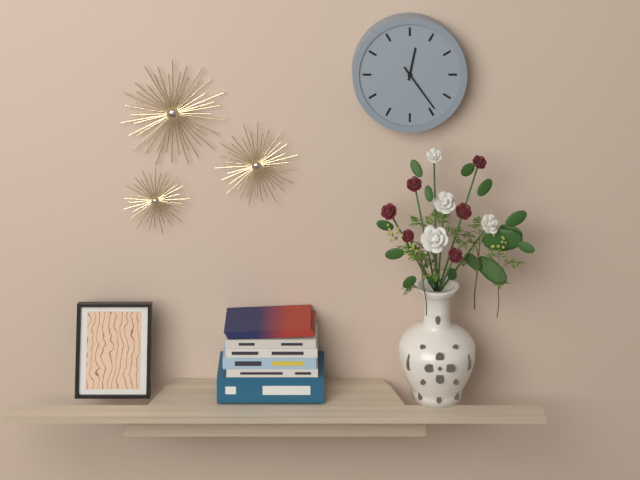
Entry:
12,24
